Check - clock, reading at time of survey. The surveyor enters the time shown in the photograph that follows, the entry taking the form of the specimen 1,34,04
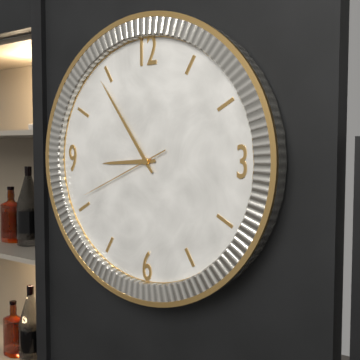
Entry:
8,54,41
